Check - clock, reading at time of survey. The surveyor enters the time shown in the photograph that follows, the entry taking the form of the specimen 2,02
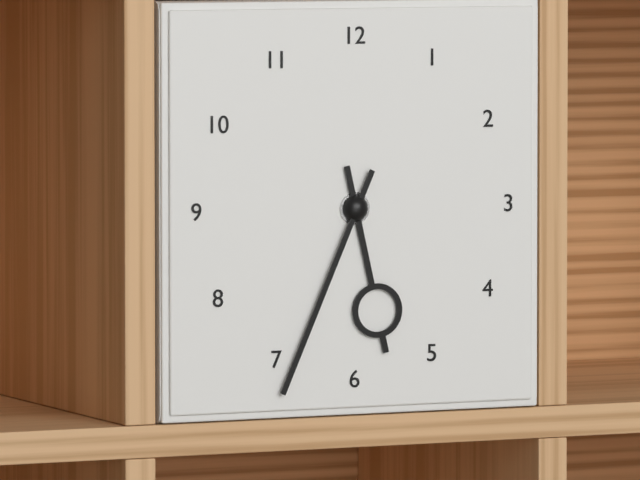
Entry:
5,34
